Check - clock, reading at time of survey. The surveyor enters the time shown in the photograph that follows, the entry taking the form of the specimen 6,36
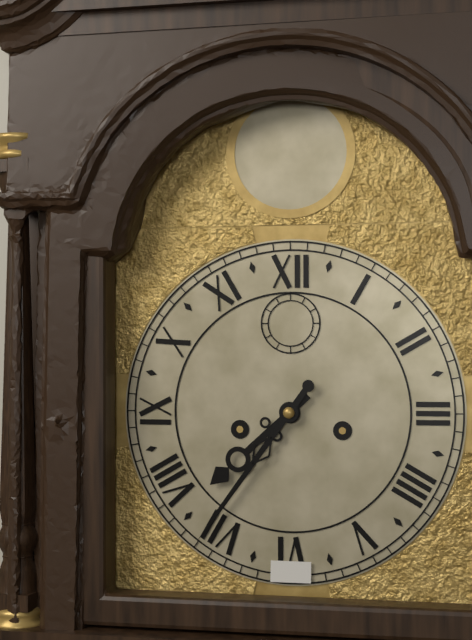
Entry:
7,36
